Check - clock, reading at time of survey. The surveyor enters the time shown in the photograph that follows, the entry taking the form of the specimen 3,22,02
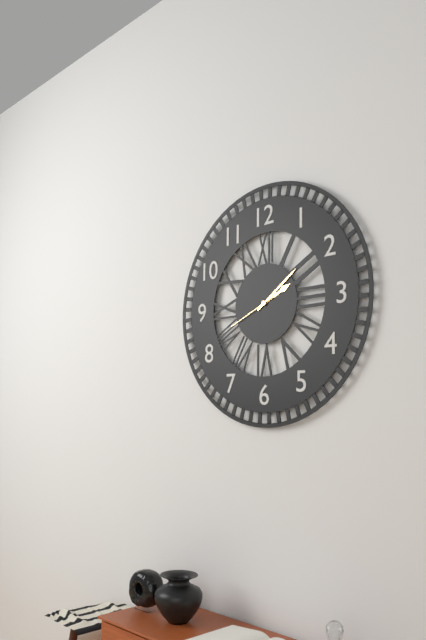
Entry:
2,09,41
